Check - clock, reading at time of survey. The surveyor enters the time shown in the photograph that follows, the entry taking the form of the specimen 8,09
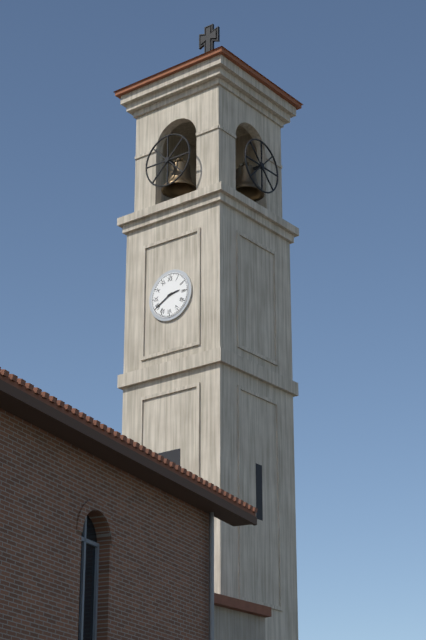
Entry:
2,40
